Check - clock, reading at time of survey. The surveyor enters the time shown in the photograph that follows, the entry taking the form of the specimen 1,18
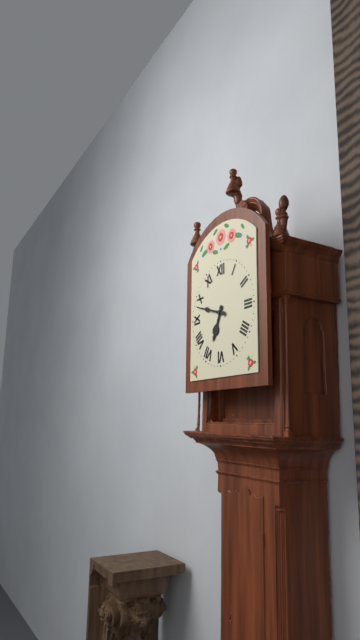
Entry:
6,48
